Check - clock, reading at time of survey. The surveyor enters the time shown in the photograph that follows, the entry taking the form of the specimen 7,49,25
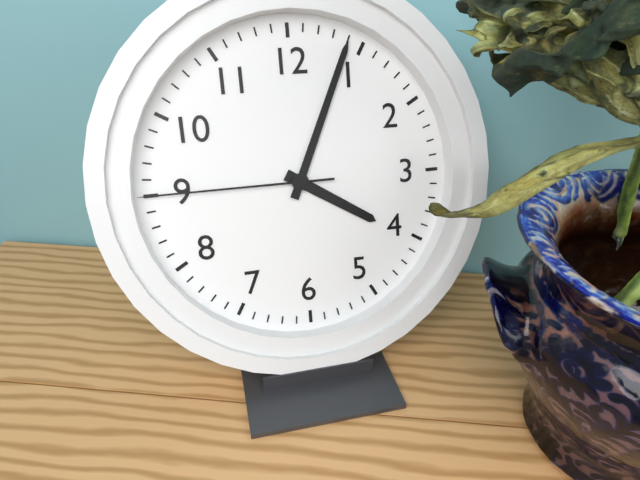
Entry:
4,04,45
